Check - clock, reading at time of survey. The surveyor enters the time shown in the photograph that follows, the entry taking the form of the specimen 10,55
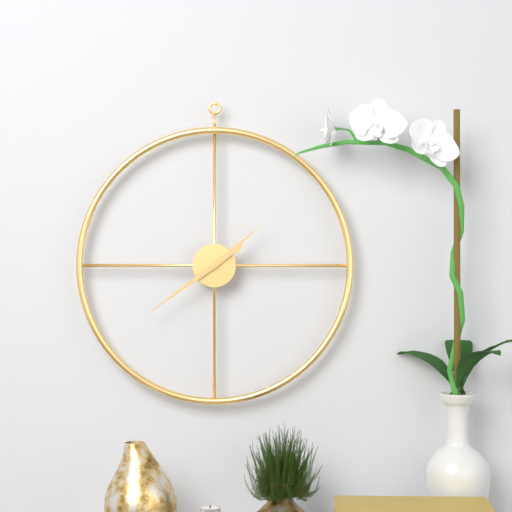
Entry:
1,39
